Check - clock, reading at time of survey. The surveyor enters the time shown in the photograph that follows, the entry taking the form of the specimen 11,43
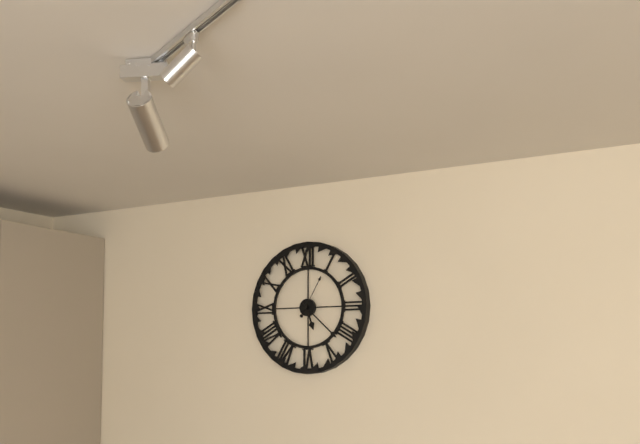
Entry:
5,22
